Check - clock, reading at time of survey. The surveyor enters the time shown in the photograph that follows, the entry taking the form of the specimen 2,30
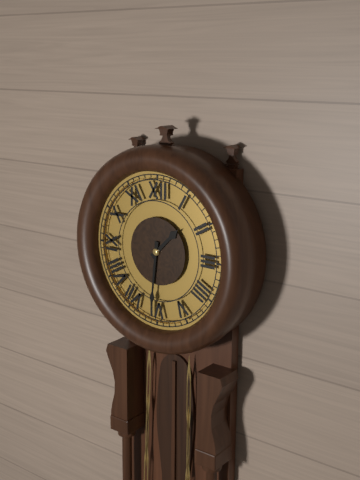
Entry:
1,31
